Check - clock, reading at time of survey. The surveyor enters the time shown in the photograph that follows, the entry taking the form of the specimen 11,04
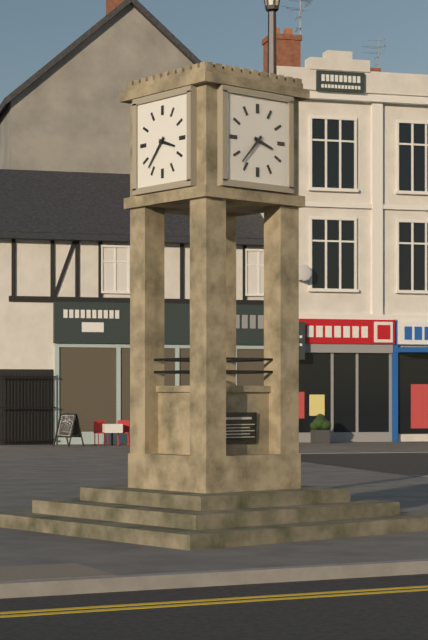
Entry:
3,37
